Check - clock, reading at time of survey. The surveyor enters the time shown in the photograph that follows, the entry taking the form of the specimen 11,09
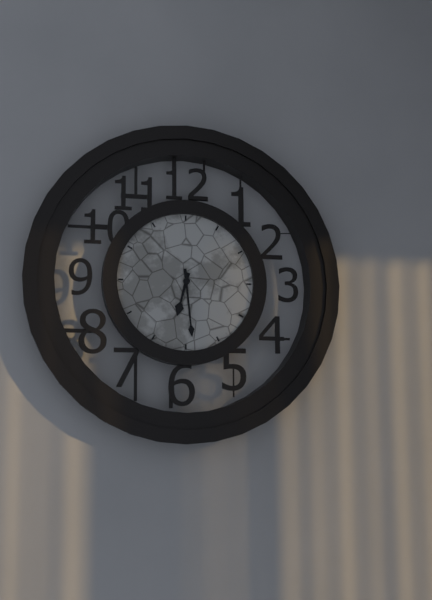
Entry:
6,29
